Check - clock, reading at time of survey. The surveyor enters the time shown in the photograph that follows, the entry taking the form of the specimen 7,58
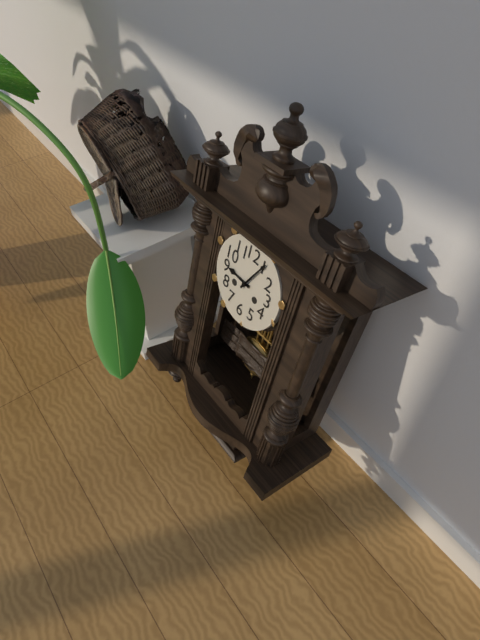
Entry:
9,05
